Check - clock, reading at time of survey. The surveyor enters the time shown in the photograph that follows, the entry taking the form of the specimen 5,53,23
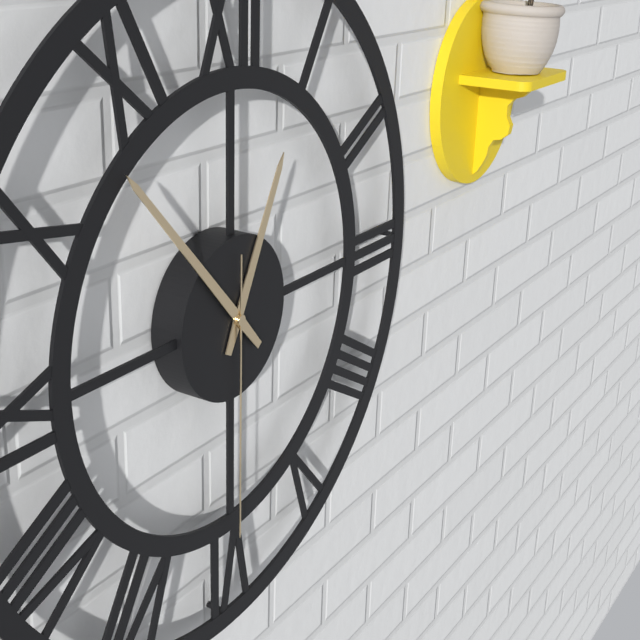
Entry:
12,53,30
